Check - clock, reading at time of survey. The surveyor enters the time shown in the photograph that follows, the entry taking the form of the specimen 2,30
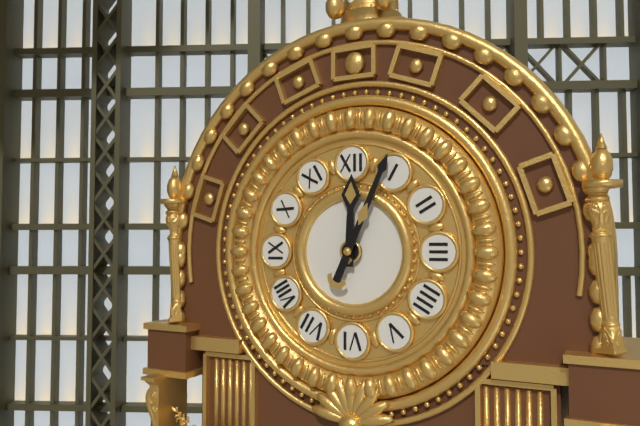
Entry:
12,04
